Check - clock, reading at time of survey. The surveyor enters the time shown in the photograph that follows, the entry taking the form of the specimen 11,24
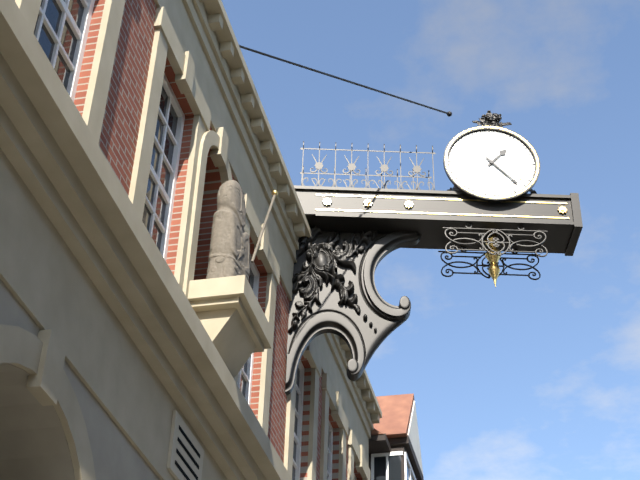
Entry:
1,23
